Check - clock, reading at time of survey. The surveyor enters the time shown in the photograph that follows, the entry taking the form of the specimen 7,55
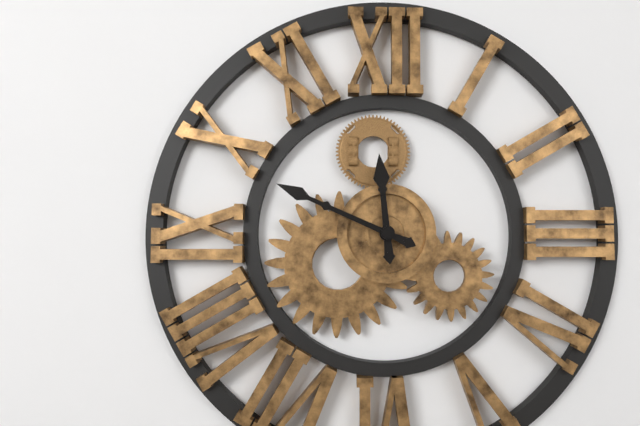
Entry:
11,49
